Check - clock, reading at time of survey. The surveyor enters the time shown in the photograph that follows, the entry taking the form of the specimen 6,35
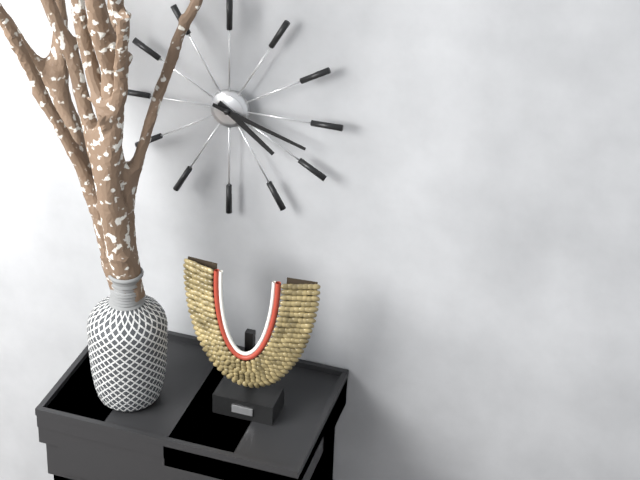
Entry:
4,18
